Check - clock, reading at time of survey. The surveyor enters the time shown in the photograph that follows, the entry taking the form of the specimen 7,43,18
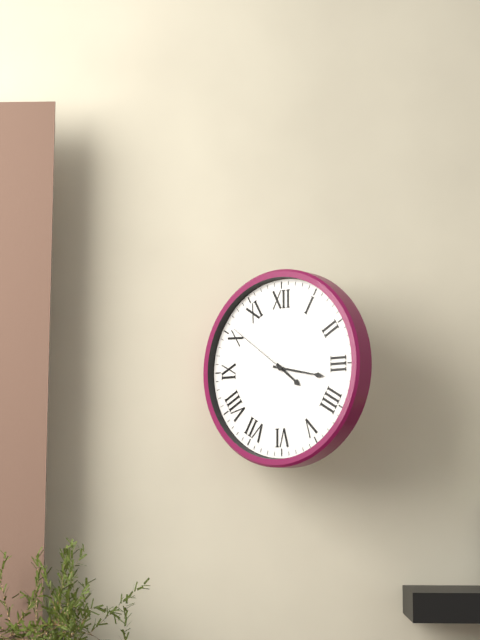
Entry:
4,17,51
